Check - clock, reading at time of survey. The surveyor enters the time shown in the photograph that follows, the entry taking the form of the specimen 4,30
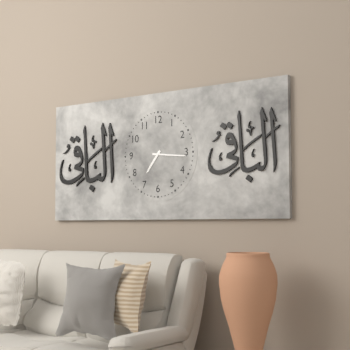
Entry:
7,16
